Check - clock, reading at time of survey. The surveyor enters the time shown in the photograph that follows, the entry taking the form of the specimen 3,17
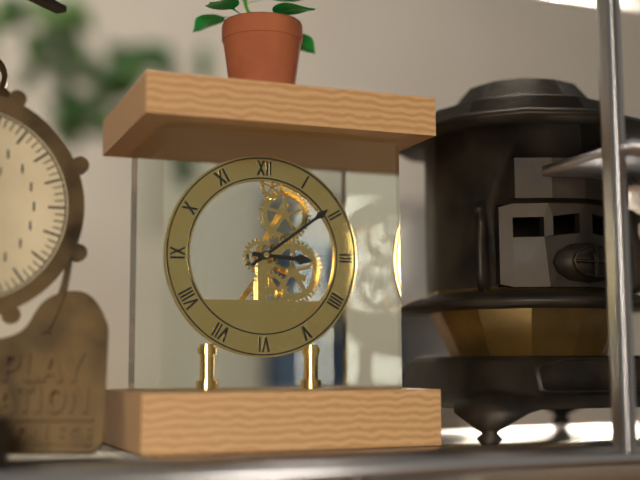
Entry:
3,09
